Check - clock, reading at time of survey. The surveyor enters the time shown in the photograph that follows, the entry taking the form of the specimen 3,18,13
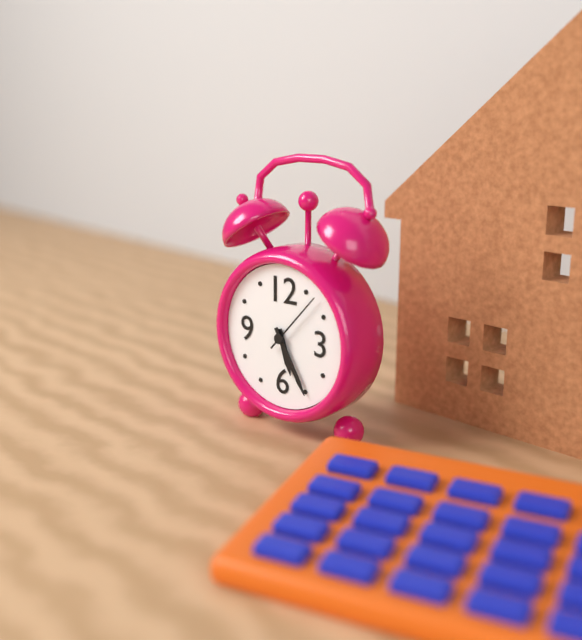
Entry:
5,25,07
